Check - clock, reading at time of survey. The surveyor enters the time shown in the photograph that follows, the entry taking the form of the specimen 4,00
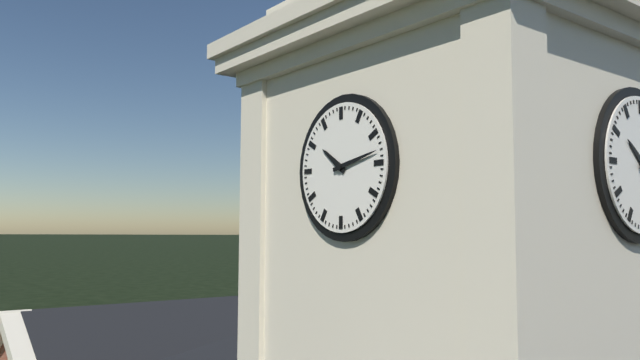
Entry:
10,13
